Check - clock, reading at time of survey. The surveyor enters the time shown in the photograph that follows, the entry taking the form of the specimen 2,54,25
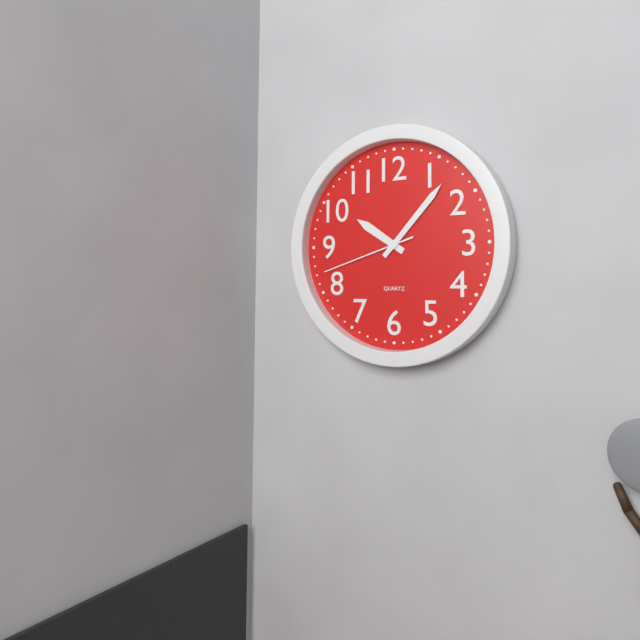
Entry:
10,07,42
